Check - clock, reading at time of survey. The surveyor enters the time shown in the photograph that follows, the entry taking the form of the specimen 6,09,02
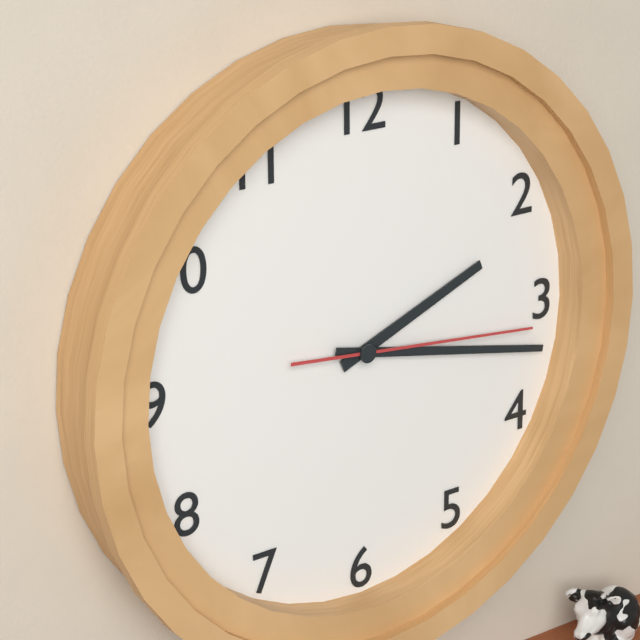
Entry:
2,17,16
